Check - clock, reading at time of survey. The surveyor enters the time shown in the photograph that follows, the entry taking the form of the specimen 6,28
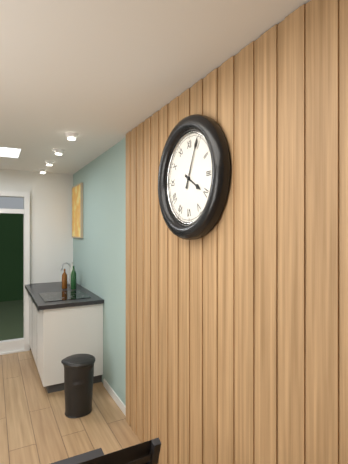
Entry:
4,04
